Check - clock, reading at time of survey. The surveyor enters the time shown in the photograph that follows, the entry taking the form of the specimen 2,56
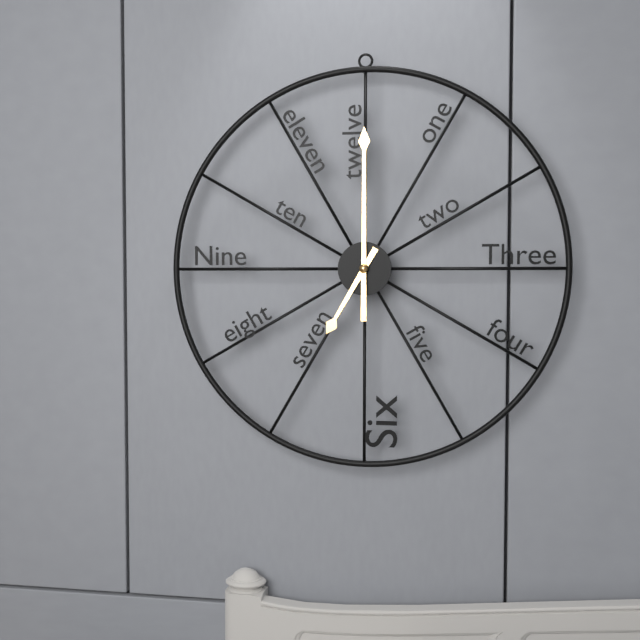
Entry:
7,00
